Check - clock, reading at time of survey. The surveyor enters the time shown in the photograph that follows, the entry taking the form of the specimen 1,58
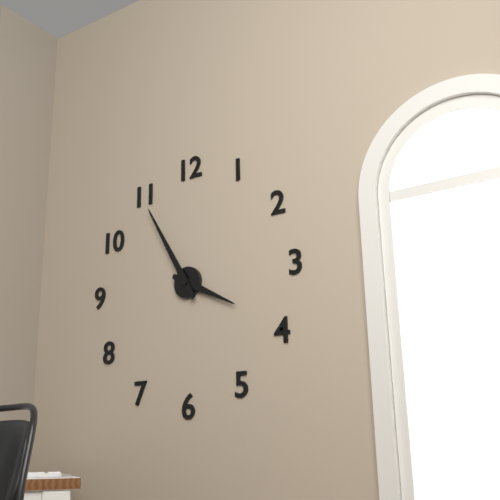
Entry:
3,55
